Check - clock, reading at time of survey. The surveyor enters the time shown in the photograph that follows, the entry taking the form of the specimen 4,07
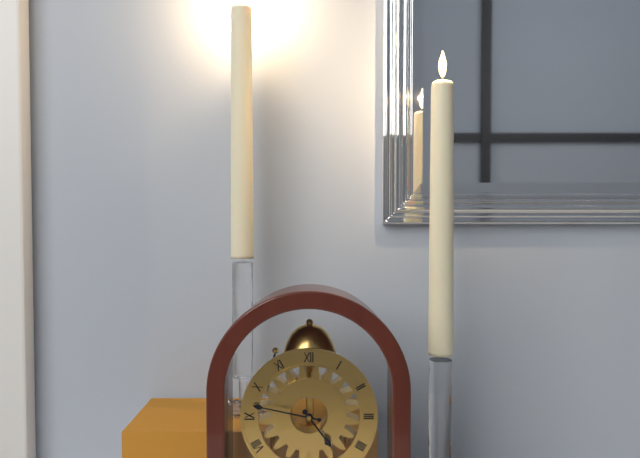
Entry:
4,47
